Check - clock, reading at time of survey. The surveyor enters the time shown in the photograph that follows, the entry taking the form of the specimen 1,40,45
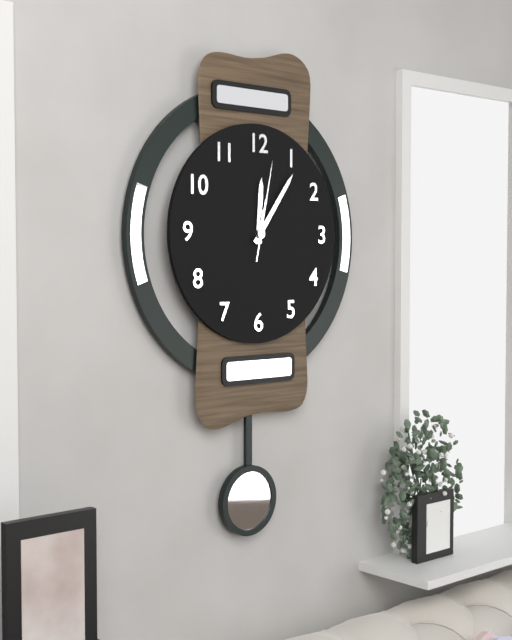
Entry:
12,06,02
